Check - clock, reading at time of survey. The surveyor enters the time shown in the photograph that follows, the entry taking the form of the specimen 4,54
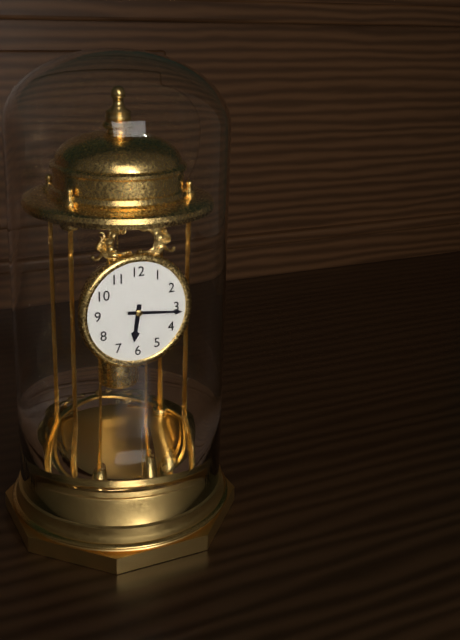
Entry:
6,16
